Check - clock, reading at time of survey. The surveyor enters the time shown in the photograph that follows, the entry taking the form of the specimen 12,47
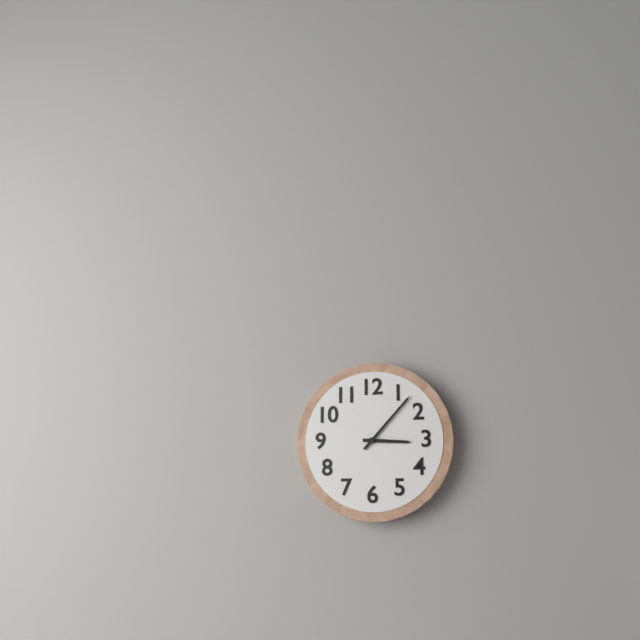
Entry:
3,07
